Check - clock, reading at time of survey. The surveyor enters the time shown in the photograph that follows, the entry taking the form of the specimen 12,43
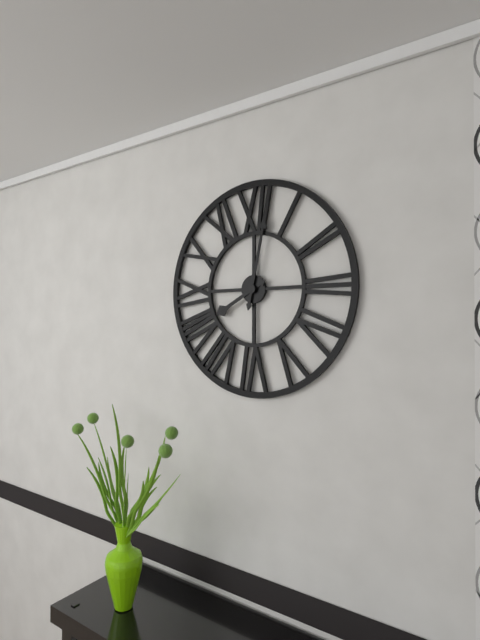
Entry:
8,02
